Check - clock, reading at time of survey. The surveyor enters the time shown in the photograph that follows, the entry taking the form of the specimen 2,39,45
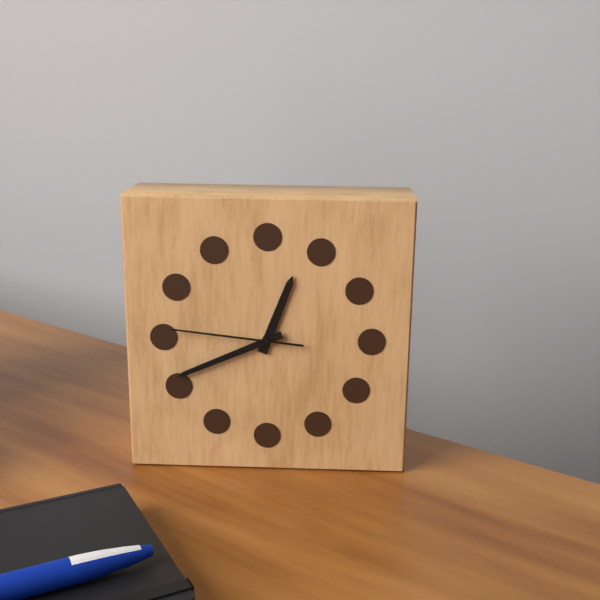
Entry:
12,41,46
